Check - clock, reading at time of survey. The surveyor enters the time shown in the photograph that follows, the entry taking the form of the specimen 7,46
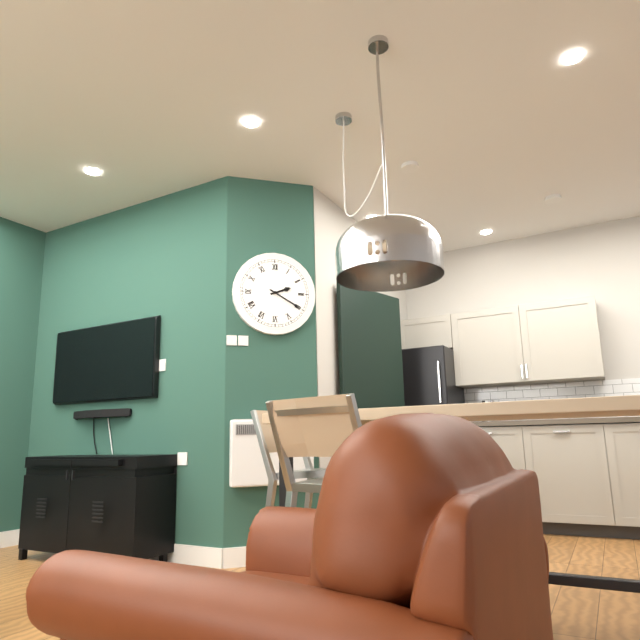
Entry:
2,20
